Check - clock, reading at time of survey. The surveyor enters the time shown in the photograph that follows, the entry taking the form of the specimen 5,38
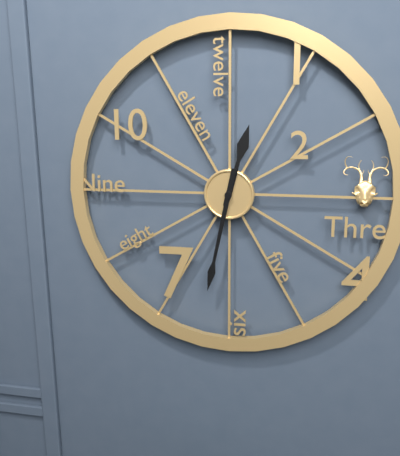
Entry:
12,32
